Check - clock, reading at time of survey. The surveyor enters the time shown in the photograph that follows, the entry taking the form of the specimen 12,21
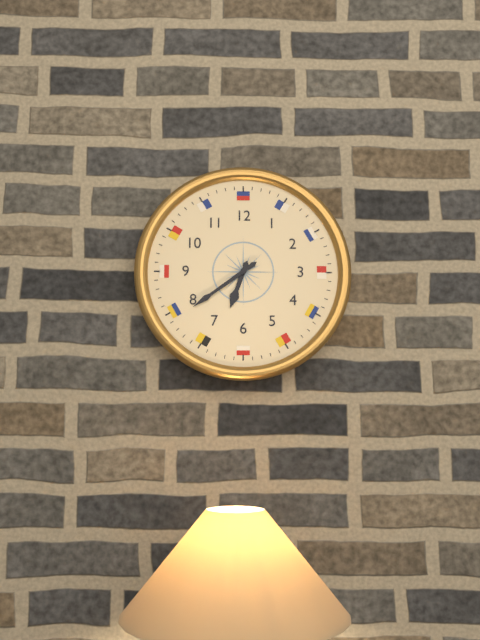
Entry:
6,39
